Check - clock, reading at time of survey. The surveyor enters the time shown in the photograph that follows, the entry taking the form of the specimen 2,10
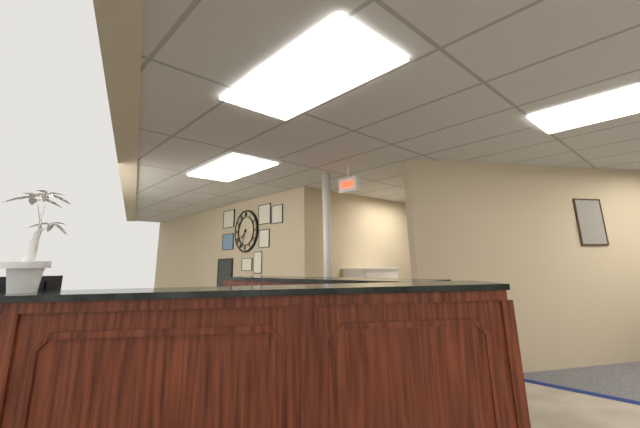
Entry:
7,33
